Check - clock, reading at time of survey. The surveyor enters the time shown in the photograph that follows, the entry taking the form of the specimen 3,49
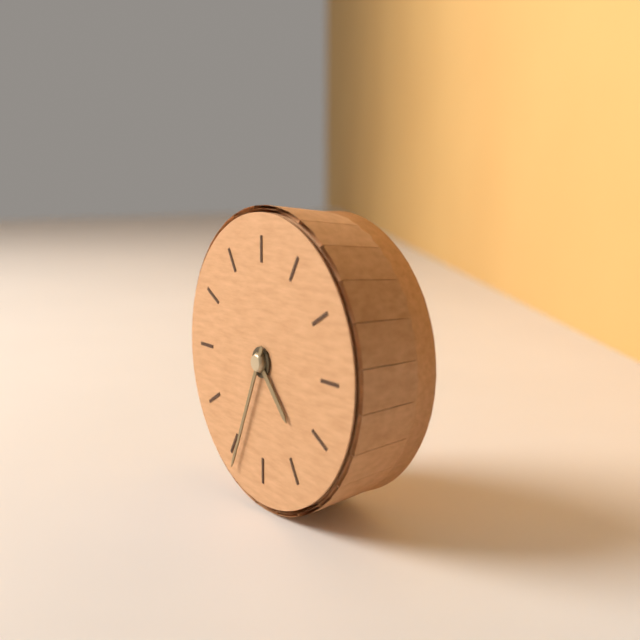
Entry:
4,34
